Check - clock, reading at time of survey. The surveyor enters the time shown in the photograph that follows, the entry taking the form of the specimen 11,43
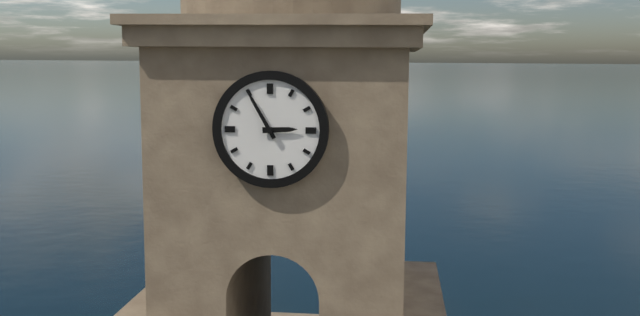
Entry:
2,55
